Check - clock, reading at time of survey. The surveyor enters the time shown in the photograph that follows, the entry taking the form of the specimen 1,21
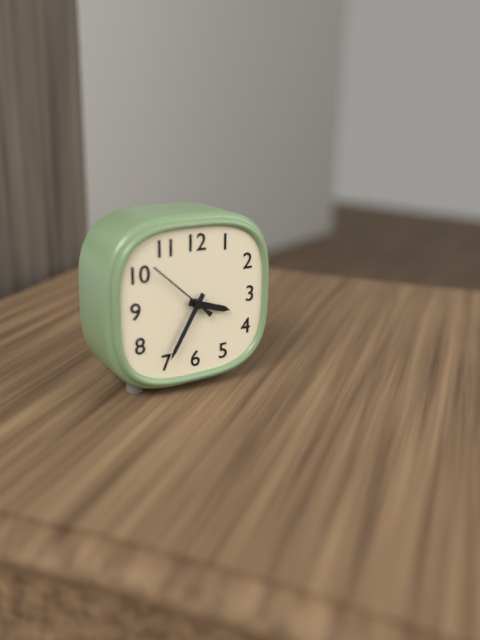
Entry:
3,35
